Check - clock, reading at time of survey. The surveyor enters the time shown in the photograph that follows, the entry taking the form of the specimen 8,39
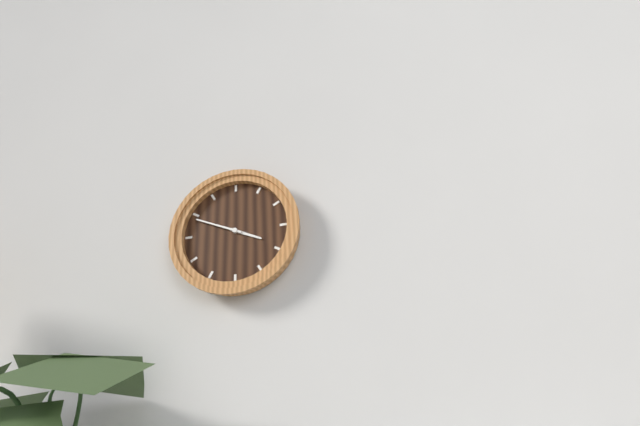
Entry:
3,49
